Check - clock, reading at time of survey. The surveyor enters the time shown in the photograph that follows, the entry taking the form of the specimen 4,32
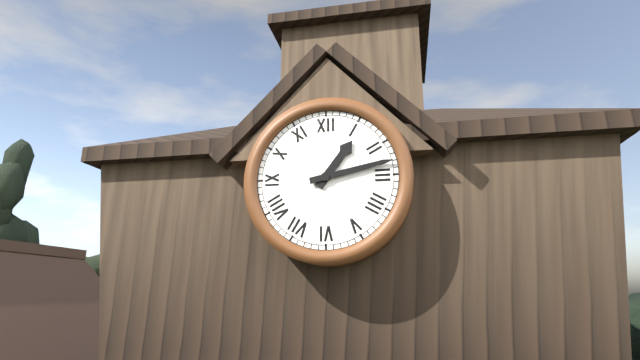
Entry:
1,13
